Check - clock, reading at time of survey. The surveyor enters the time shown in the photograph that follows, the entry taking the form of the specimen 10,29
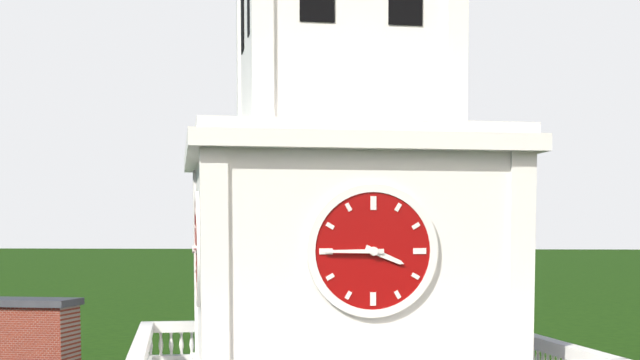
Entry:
3,45
